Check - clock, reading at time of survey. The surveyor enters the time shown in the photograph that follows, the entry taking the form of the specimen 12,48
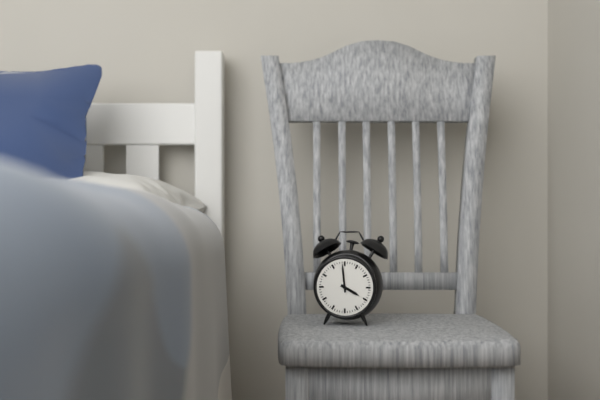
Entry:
3,59
